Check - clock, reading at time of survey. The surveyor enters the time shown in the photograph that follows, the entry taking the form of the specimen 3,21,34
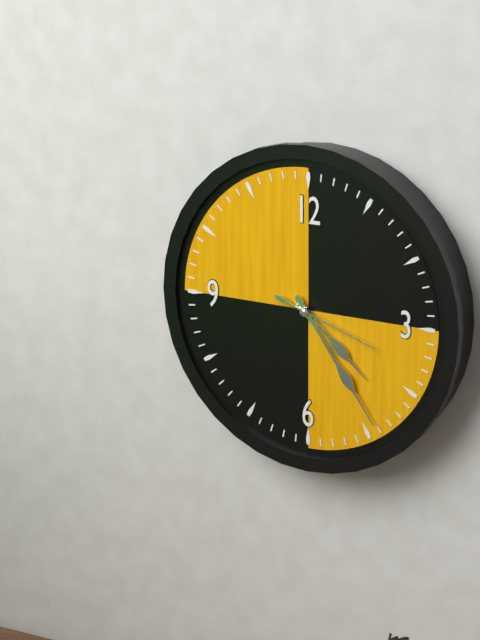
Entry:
4,24,18
